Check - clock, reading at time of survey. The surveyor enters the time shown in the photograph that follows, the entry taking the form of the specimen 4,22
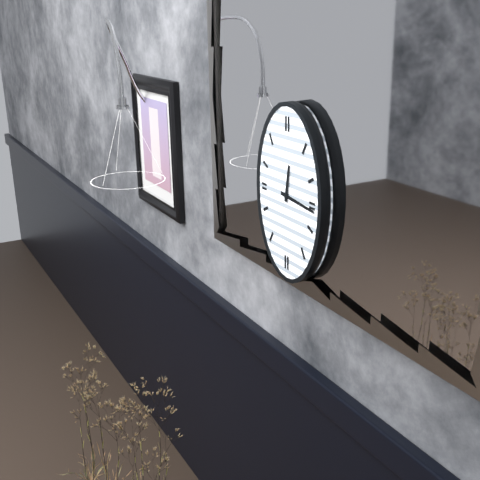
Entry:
12,16
